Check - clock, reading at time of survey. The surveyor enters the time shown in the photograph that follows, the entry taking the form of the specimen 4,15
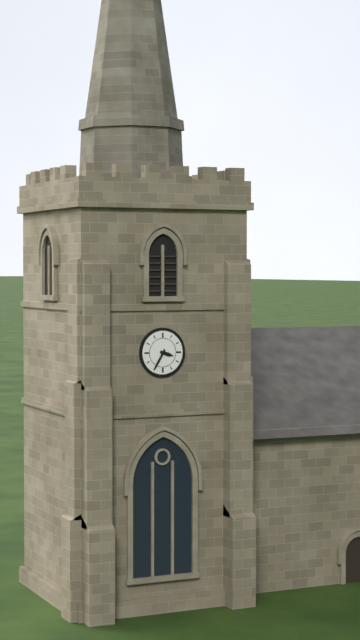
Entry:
3,35
